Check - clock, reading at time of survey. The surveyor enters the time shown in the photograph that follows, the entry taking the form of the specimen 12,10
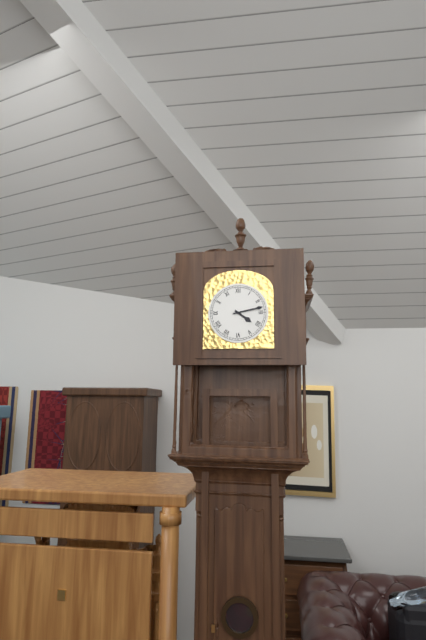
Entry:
4,13
